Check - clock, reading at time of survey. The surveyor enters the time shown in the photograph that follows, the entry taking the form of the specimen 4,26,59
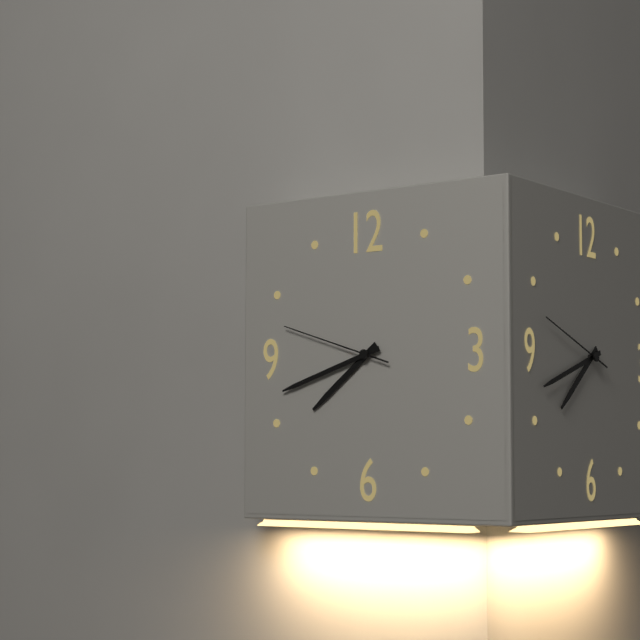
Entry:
7,42,48
